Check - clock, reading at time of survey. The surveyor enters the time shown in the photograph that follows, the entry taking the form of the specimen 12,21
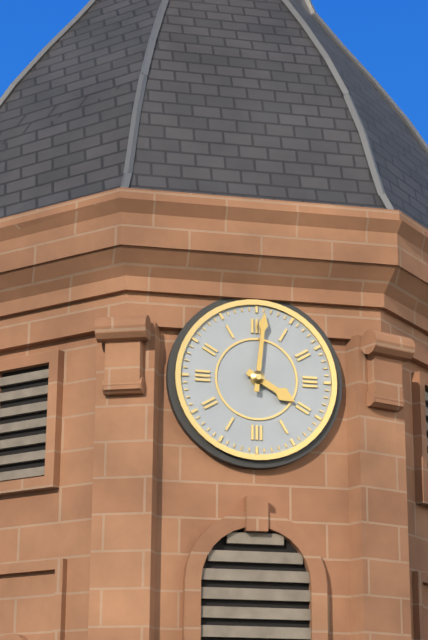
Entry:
4,01
